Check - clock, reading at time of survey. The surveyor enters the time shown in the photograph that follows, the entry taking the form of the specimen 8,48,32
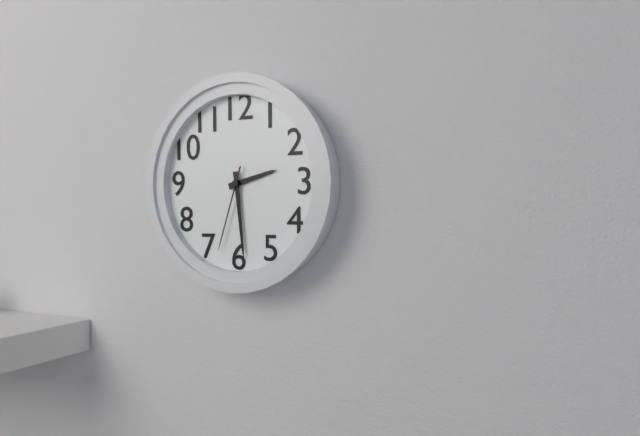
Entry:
2,29,33
